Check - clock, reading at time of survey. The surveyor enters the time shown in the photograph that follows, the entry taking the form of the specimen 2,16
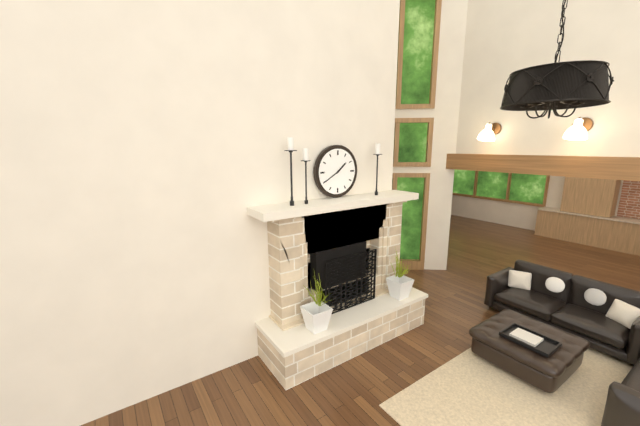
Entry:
1,40
